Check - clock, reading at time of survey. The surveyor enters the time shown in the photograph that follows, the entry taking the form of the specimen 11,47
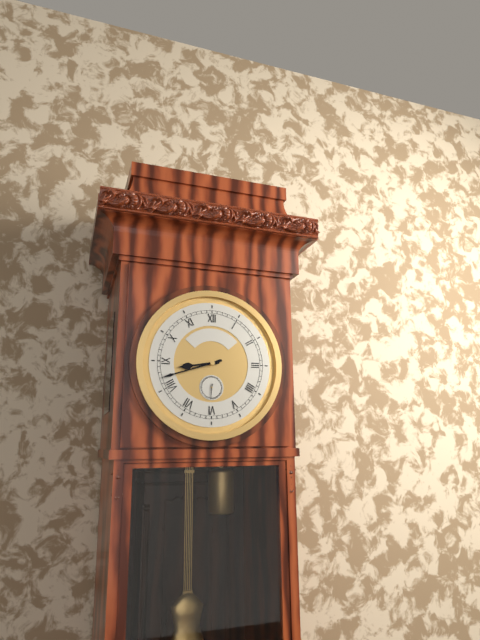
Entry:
8,42
